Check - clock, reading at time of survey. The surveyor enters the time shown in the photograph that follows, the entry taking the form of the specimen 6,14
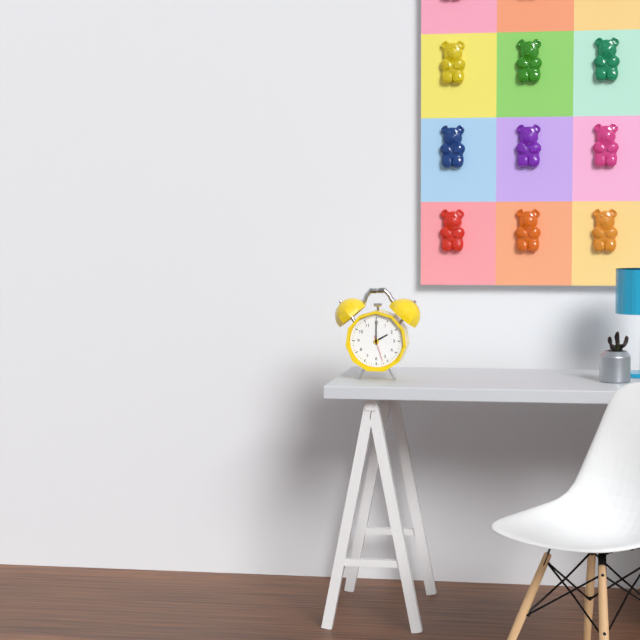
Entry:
2,00
